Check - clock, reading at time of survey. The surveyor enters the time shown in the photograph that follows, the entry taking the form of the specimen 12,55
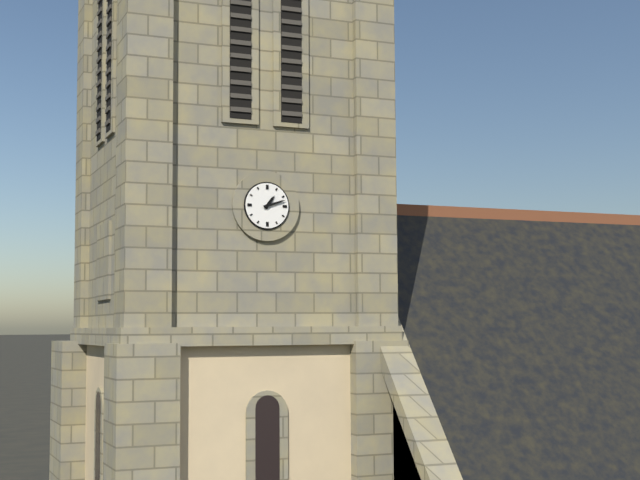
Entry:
1,12
